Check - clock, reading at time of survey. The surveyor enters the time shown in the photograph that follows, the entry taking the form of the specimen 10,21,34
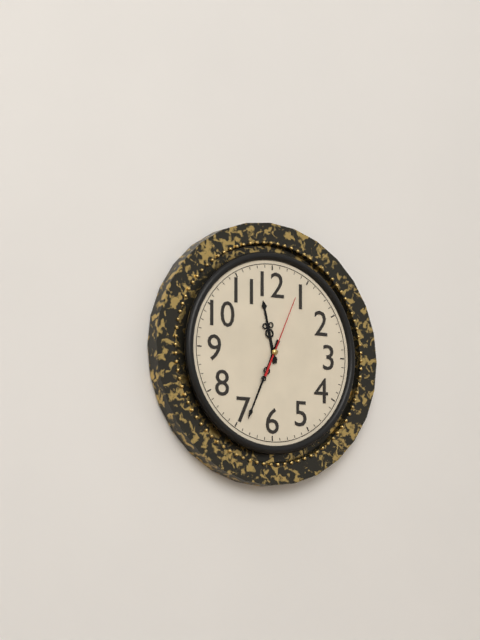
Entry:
11,34,04
